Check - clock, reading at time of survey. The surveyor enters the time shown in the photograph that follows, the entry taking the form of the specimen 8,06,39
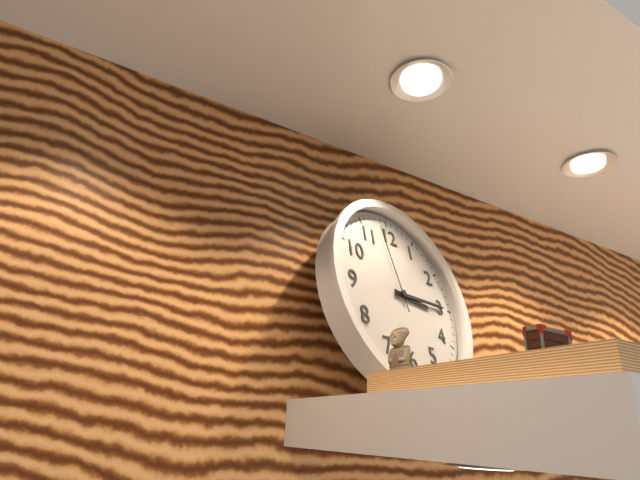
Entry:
3,15,58
